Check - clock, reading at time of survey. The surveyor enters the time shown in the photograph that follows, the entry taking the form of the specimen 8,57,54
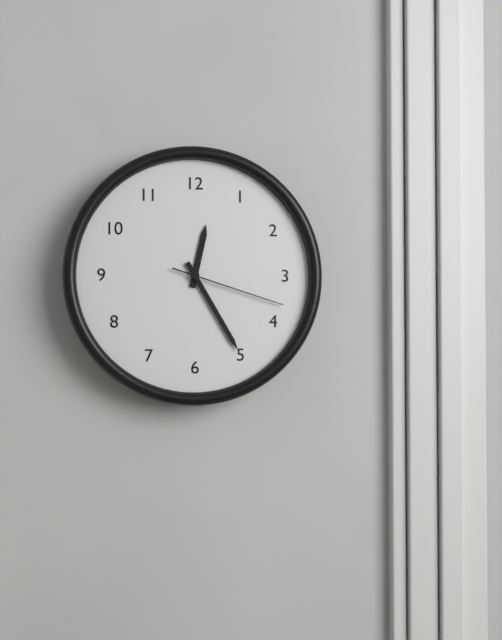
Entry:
12,25,18
